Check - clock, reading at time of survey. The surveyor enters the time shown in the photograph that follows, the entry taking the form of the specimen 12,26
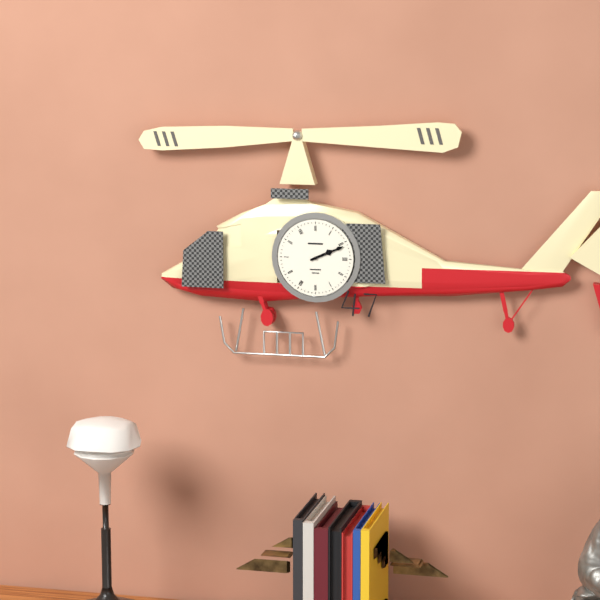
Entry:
2,11
